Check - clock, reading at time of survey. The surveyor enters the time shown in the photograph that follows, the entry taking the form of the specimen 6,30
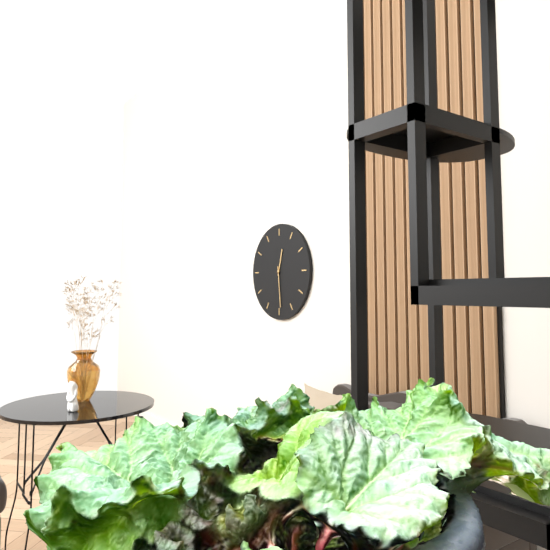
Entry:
12,29
